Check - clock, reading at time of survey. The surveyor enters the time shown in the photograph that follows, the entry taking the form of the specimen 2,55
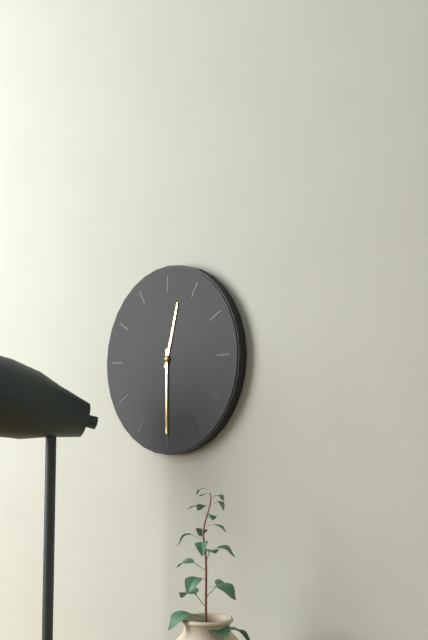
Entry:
12,30
